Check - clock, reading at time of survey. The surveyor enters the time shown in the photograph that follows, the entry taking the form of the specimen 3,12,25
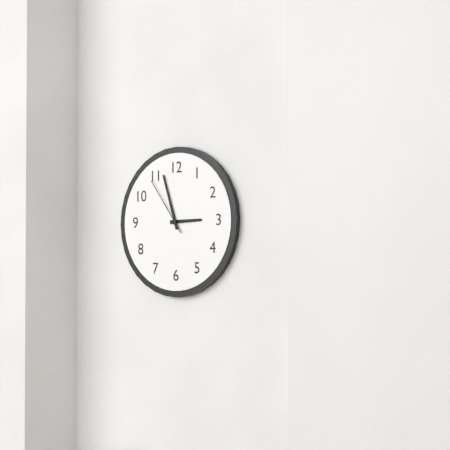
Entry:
2,57,54
